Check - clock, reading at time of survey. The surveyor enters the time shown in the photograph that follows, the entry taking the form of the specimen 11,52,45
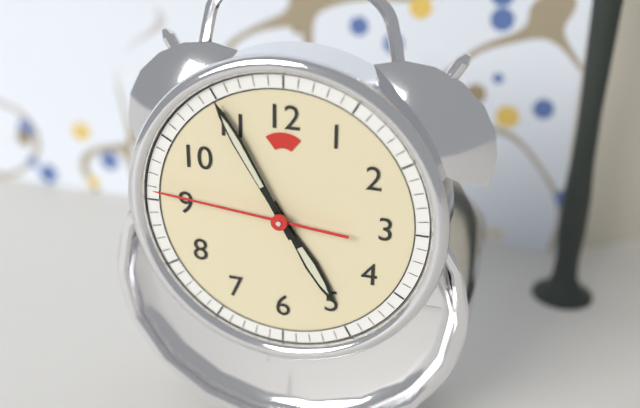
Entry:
4,55,46
